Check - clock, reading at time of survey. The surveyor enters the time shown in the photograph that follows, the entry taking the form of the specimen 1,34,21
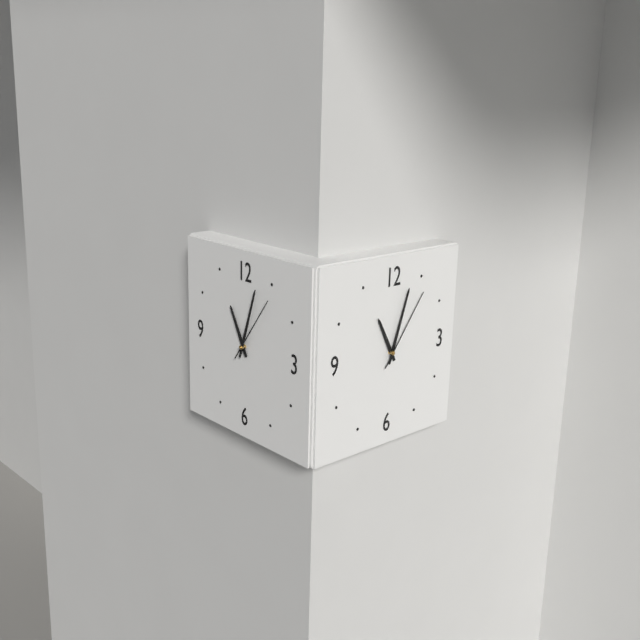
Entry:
11,03,06
